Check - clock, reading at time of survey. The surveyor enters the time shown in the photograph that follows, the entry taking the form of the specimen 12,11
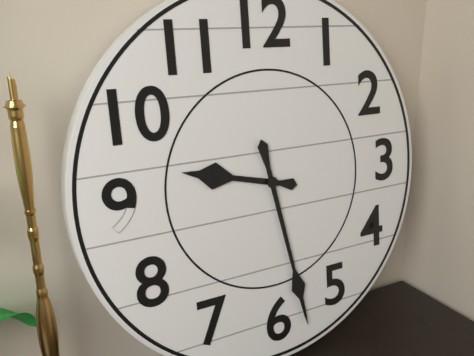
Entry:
9,28
